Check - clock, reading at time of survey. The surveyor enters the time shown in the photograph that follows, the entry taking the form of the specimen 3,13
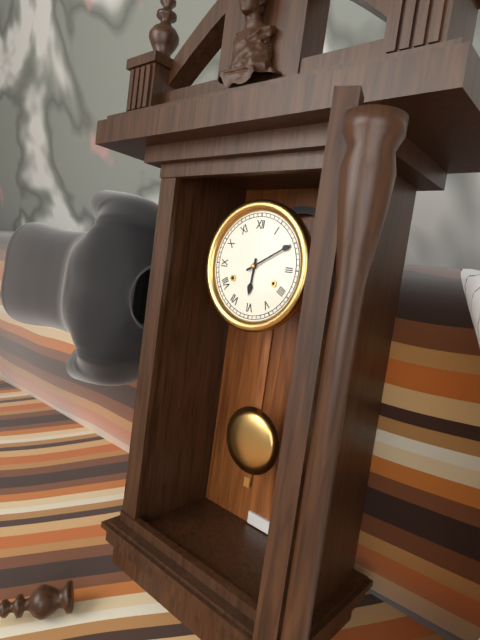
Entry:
6,10
